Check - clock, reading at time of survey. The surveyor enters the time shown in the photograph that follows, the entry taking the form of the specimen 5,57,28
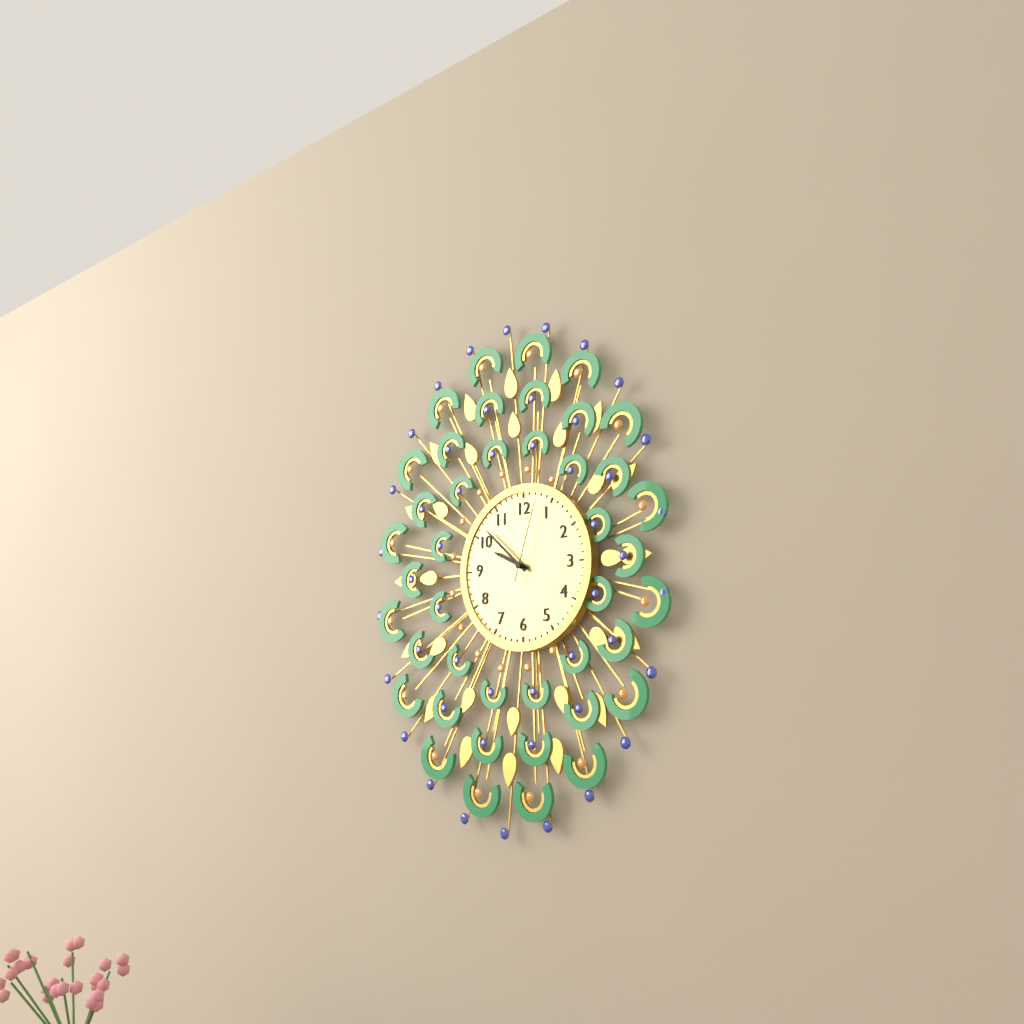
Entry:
9,52,03
